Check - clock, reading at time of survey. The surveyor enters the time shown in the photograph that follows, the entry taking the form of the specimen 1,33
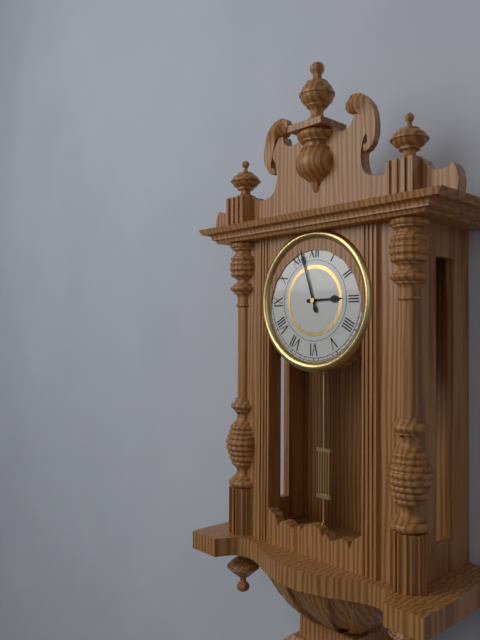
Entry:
2,57
